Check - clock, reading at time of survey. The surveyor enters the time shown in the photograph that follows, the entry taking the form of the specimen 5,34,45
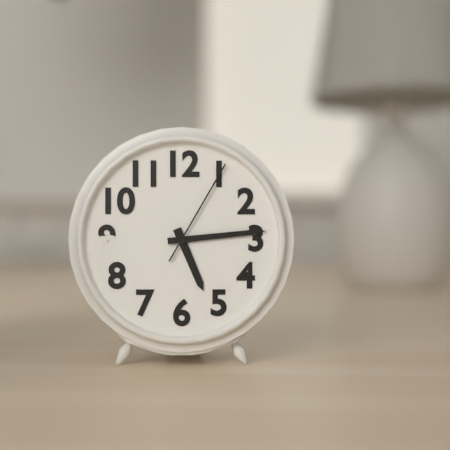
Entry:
5,14,05
